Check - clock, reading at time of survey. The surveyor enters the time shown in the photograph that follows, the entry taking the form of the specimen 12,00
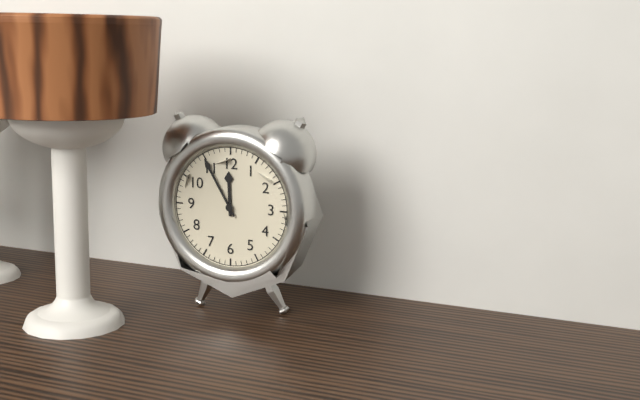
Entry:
11,55
